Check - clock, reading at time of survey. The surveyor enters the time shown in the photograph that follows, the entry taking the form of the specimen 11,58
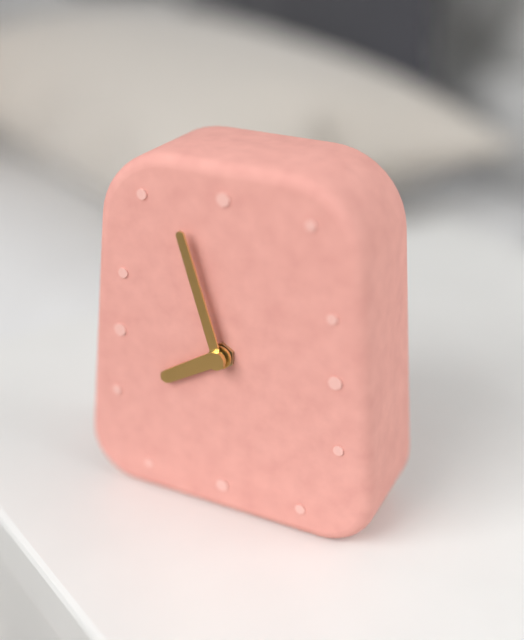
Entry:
7,57
